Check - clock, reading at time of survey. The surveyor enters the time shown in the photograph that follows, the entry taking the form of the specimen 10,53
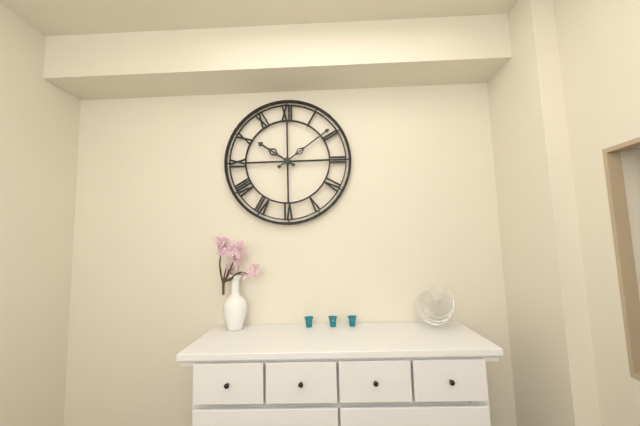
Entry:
10,09
